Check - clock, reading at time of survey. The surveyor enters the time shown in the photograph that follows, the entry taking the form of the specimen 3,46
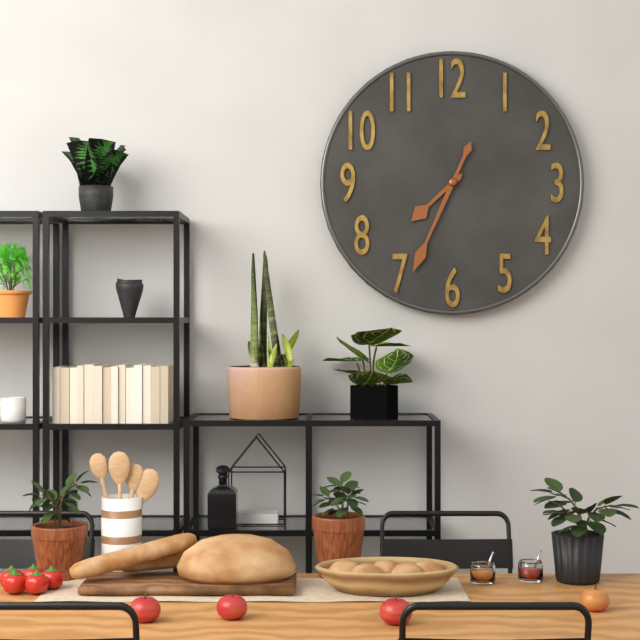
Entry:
7,34
